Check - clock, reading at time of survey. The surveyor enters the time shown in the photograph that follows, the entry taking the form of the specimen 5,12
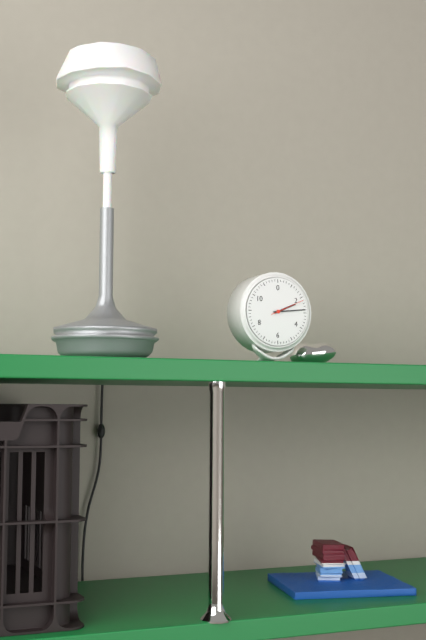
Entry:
2,14
